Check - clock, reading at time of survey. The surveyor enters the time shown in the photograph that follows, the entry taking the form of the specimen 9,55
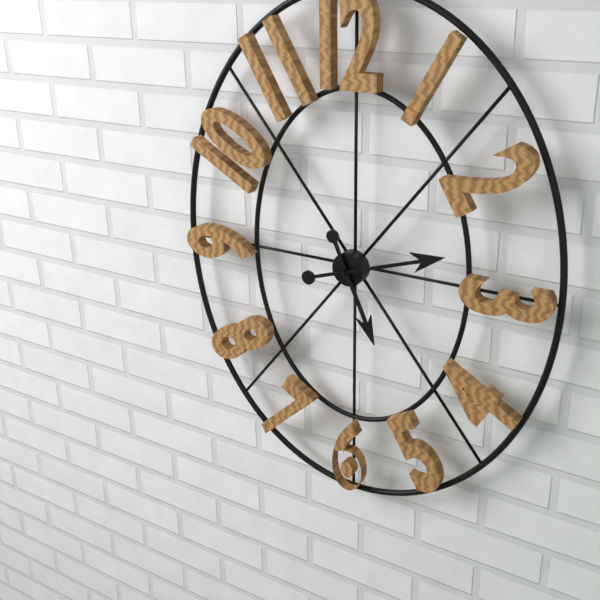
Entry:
5,12
